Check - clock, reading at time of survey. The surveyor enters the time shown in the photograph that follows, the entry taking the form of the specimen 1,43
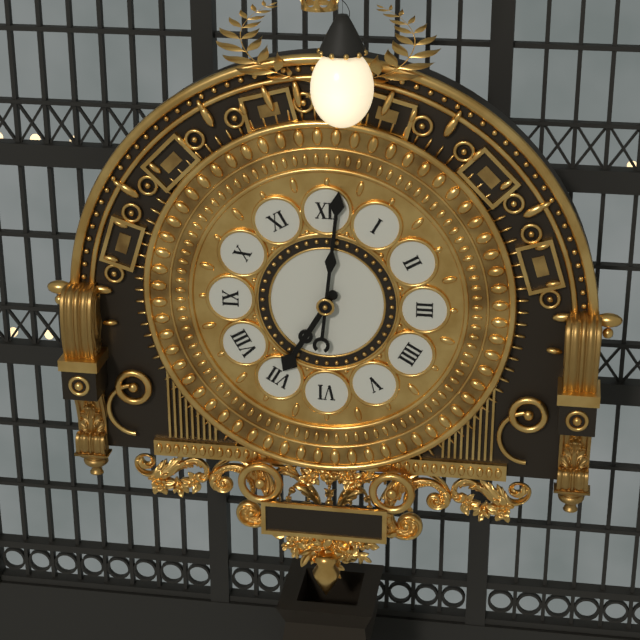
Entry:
7,01
